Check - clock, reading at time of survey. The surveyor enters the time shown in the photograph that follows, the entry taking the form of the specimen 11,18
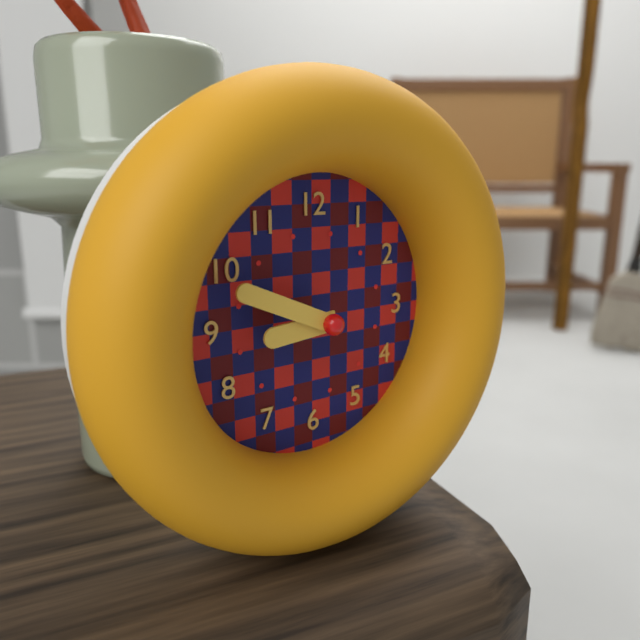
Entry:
8,49
